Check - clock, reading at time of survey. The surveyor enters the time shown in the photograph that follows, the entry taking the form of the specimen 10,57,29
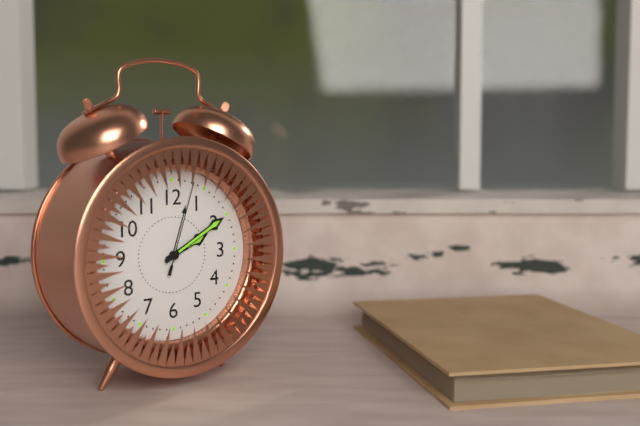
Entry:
2,10,03
